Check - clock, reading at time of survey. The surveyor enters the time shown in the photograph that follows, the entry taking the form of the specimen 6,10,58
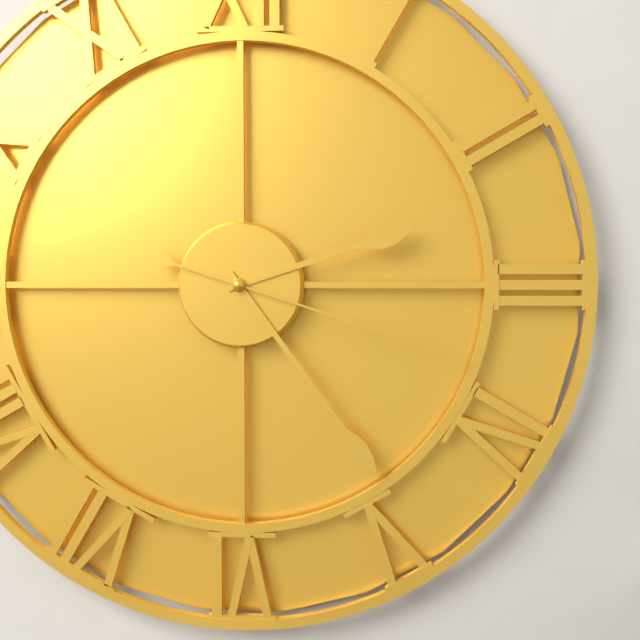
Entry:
2,24,18
